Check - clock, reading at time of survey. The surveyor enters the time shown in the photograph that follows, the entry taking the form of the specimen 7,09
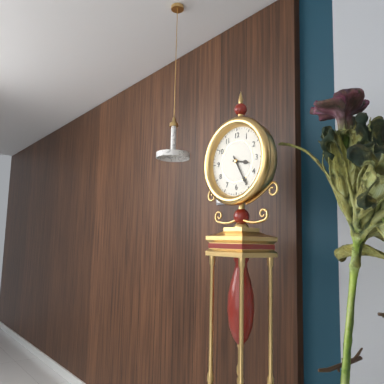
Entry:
3,25
